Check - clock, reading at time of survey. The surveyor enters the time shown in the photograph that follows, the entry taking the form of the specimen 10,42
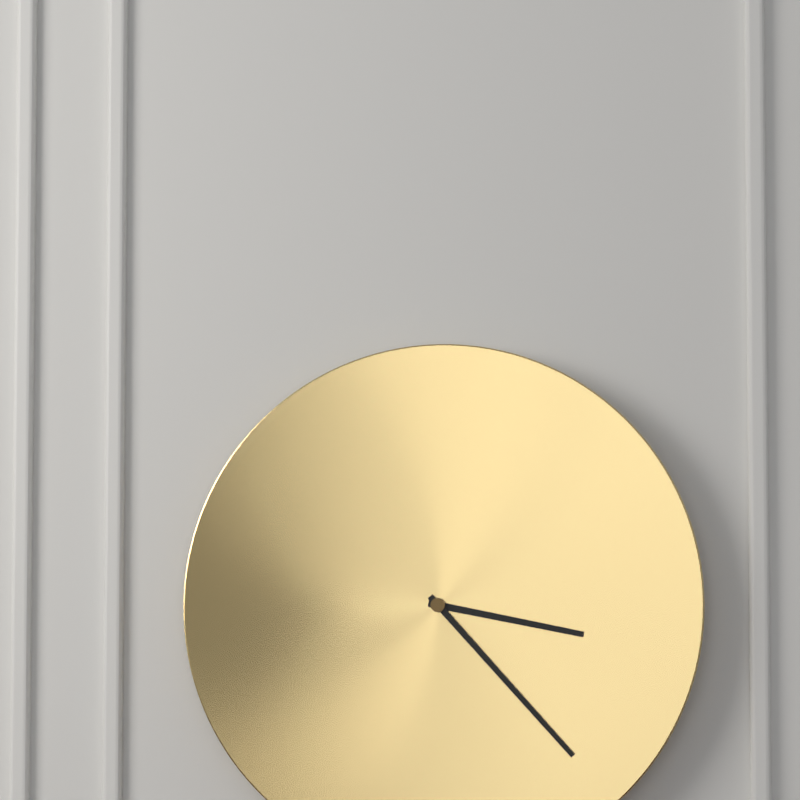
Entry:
3,23
